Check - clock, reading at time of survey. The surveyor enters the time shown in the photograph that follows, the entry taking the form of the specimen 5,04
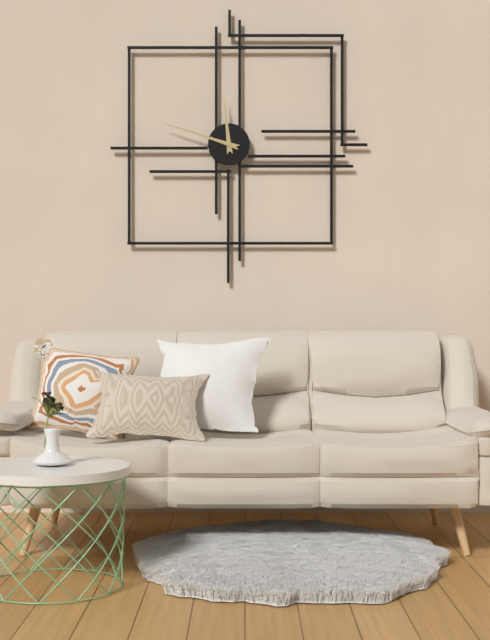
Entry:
11,48
